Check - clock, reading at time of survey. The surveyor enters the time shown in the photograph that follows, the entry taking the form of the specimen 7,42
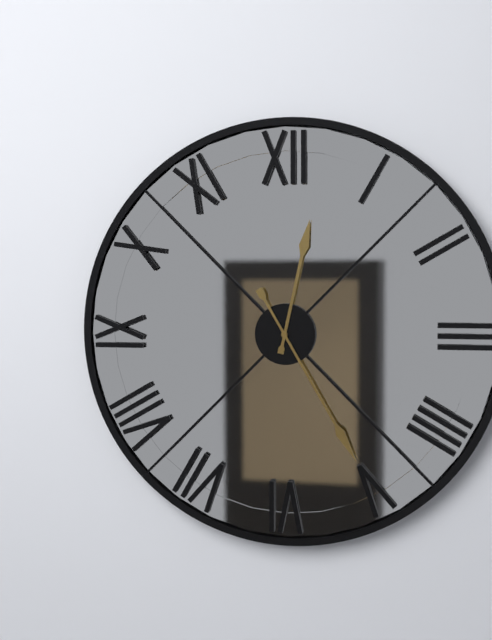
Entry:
12,25
